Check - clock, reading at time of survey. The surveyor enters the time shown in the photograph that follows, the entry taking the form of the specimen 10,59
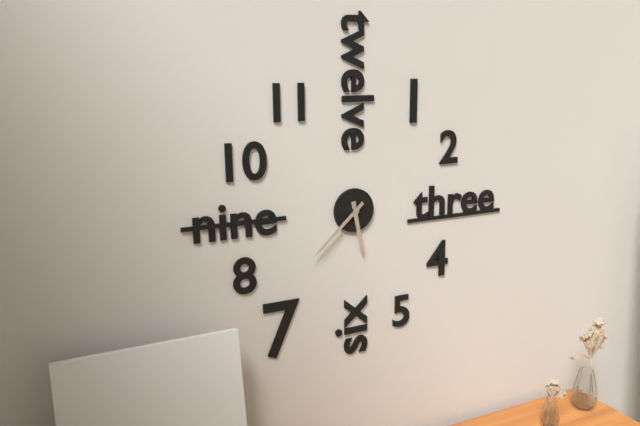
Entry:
5,38
